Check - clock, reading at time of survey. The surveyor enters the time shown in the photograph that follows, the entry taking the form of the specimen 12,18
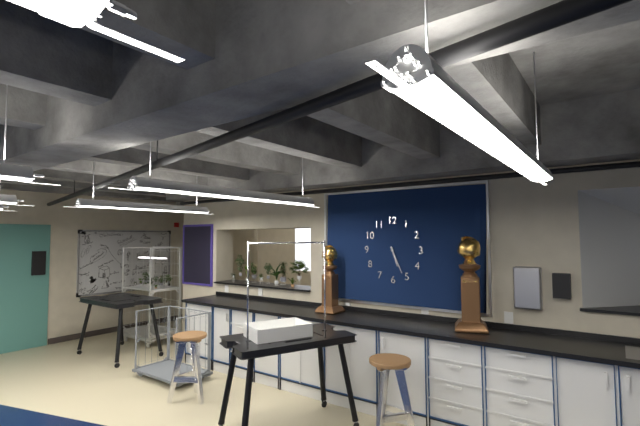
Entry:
5,26
